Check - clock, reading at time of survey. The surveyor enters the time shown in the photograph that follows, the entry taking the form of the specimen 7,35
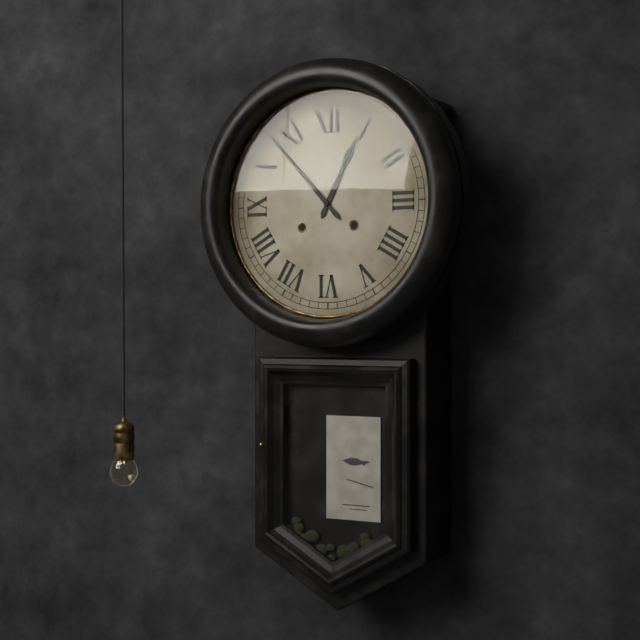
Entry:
12,53
